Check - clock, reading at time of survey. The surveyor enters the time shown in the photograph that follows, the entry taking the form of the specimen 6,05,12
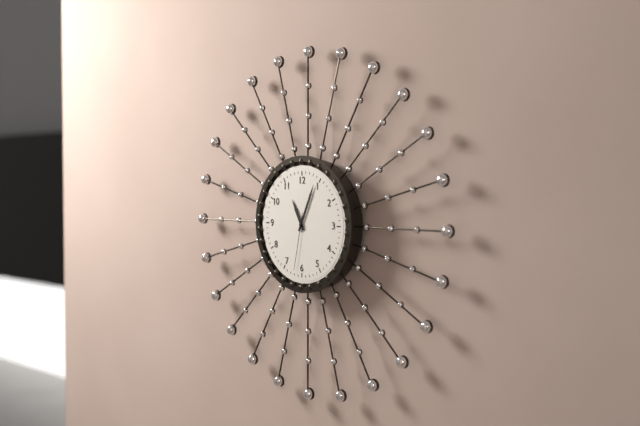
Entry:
11,04,32
